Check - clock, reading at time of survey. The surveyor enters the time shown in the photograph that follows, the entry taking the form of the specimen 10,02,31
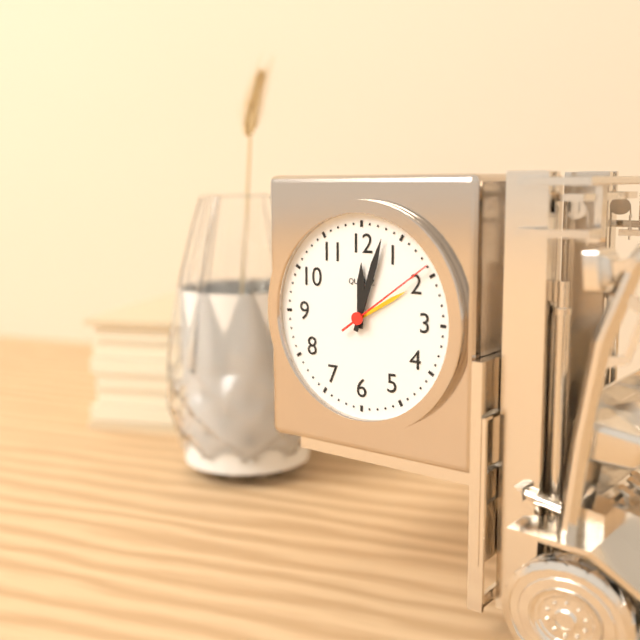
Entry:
12,03,09
